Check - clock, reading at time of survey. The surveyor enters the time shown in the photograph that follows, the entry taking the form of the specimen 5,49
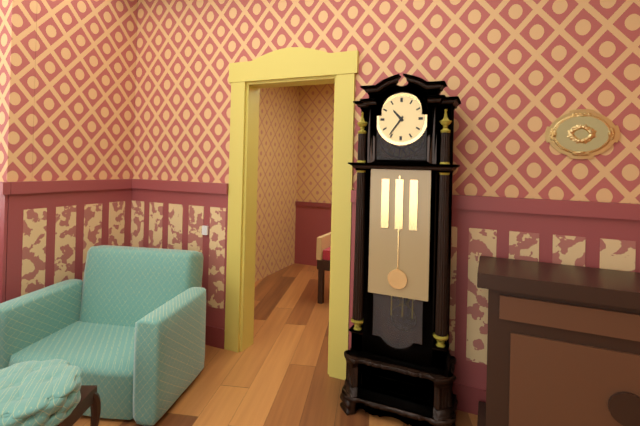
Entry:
10,36
